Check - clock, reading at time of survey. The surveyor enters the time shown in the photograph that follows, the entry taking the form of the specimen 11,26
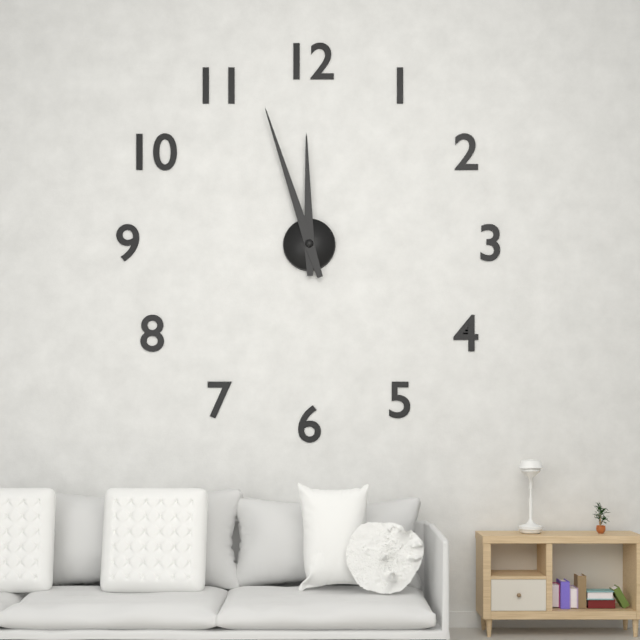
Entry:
11,57
